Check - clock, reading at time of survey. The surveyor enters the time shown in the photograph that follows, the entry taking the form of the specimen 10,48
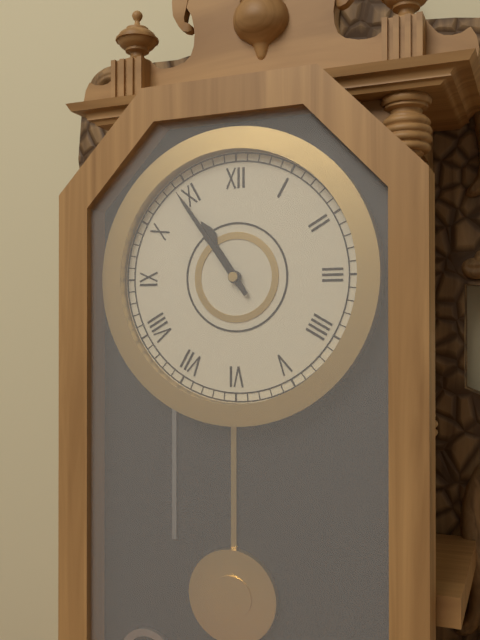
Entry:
10,54
